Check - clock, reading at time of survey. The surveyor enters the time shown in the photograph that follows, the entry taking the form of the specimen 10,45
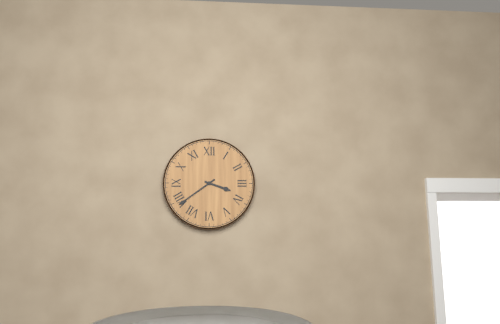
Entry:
3,39
